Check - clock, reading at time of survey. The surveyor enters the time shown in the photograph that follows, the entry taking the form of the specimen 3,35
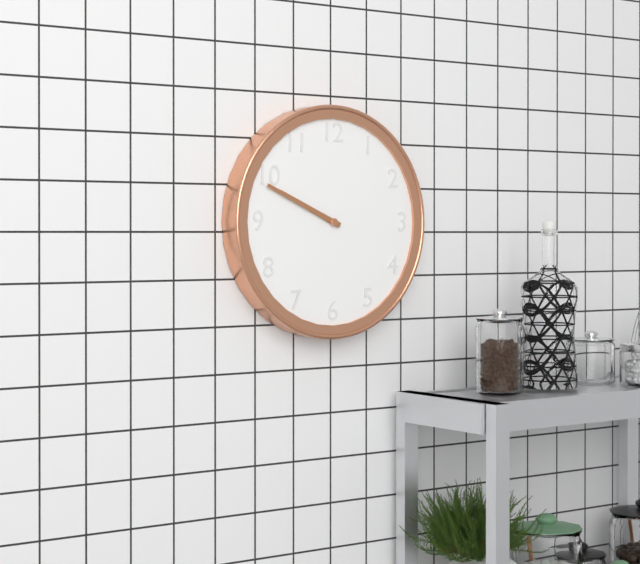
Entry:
9,49
